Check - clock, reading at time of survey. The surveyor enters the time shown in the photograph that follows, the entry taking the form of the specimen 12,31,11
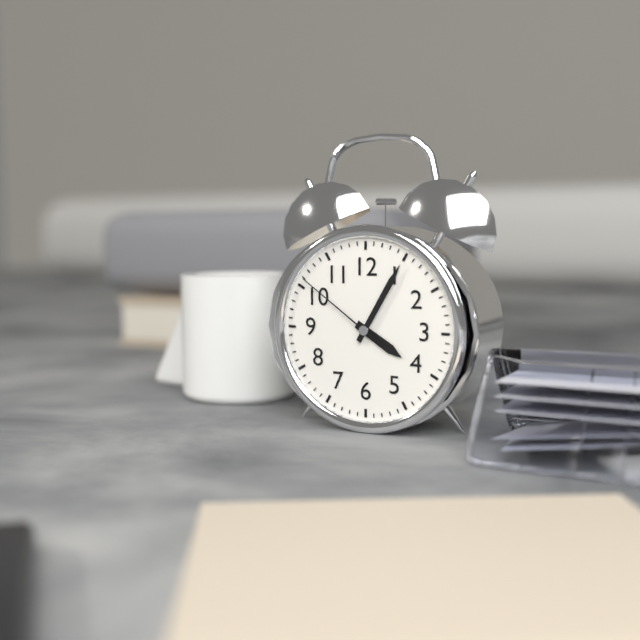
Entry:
4,05,51
